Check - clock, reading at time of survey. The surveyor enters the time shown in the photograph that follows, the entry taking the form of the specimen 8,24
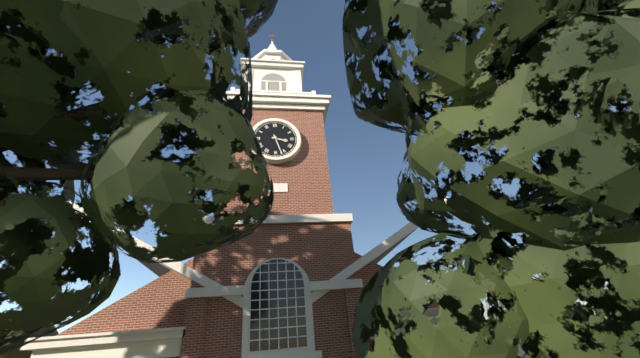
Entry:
3,27
